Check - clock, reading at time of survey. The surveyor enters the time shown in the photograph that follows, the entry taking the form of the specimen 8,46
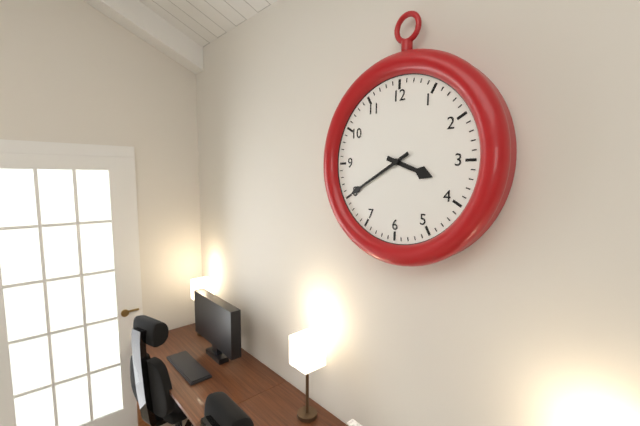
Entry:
3,40
